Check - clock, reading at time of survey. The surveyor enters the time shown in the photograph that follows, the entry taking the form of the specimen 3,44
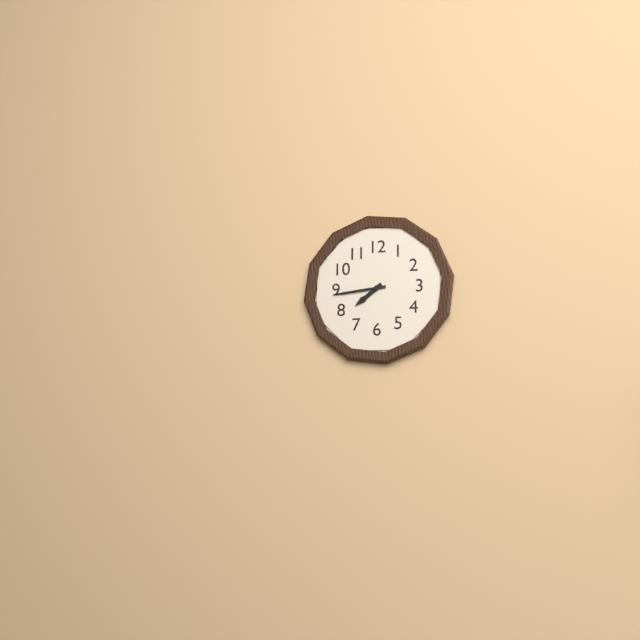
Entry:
7,44
